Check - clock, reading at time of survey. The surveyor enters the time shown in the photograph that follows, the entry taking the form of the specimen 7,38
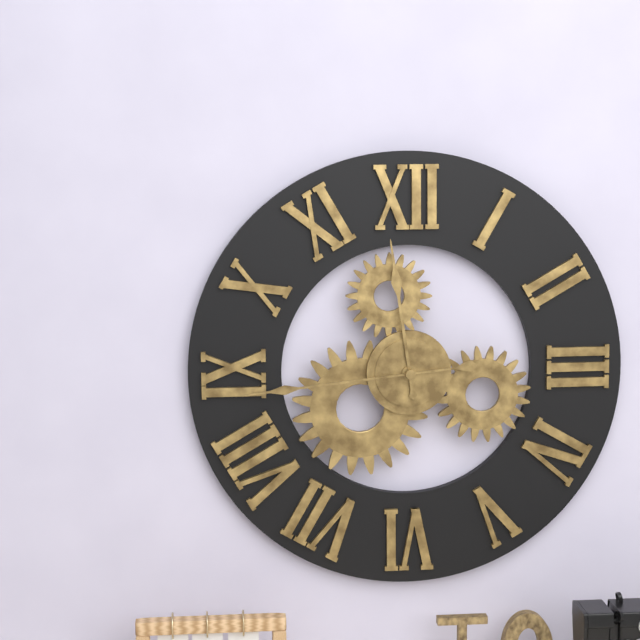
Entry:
11,44
